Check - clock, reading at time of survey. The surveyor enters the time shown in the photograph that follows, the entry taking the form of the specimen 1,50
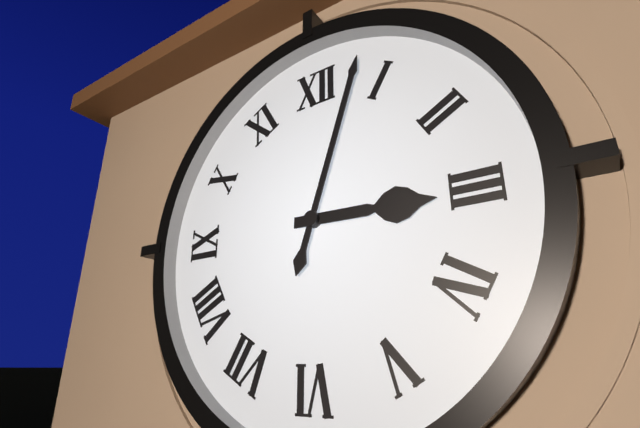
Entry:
3,03
